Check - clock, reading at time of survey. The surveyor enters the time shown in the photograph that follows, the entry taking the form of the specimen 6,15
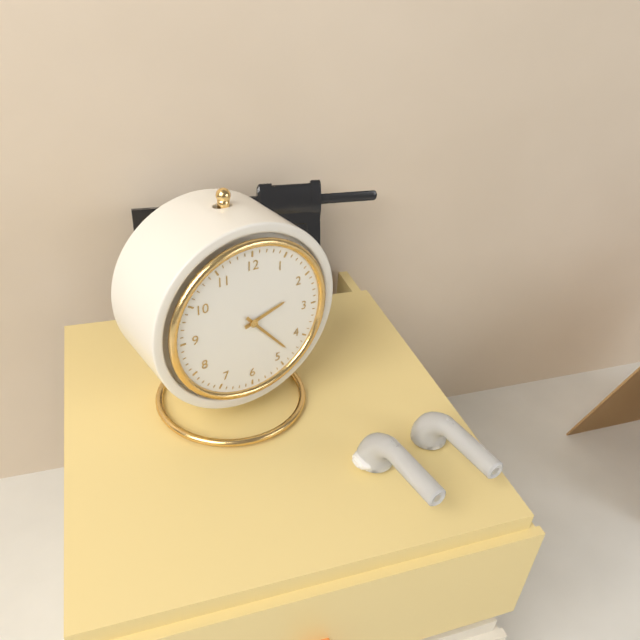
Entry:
2,23
